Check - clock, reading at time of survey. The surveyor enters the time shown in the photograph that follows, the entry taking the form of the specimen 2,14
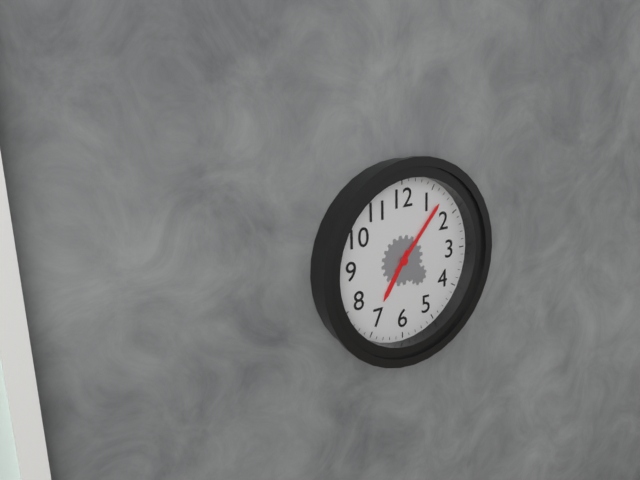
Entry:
7,07
